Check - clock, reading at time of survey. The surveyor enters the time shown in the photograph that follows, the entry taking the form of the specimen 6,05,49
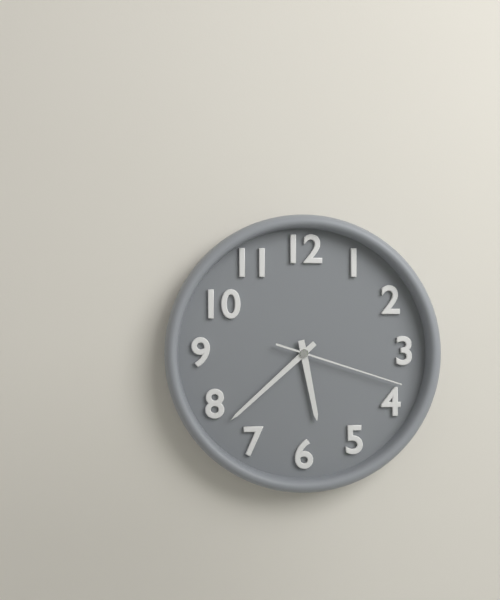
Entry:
5,38,18
